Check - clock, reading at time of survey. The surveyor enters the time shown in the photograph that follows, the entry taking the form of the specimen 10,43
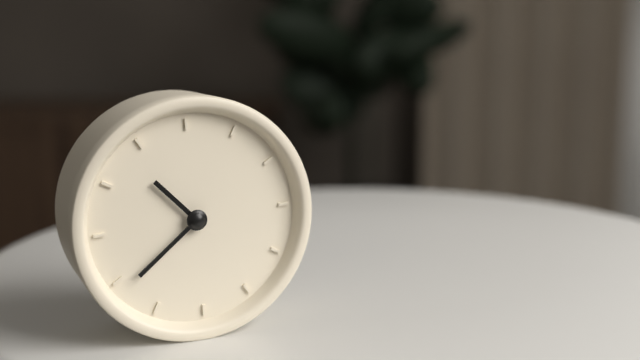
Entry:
10,39
